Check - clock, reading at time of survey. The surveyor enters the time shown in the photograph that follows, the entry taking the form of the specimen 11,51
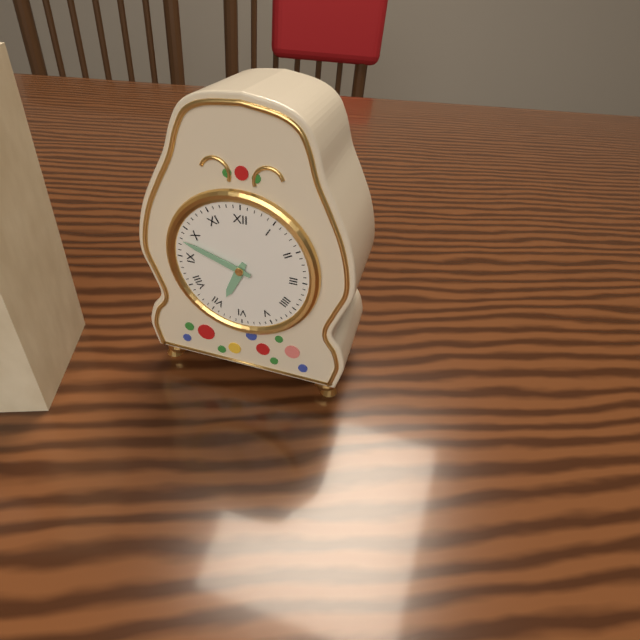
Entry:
6,48
